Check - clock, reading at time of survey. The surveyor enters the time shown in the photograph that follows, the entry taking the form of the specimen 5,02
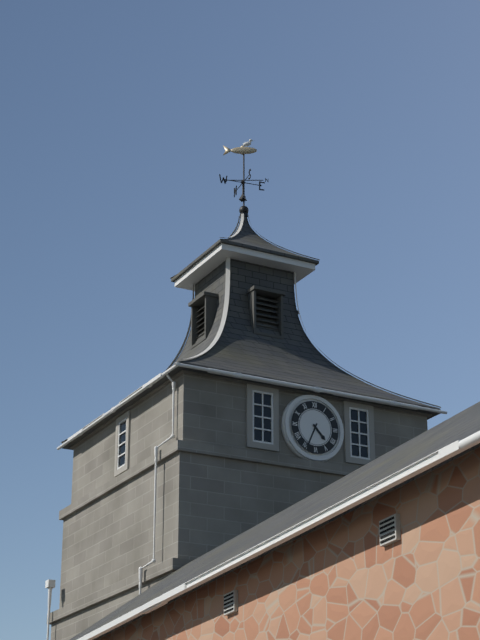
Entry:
4,34
